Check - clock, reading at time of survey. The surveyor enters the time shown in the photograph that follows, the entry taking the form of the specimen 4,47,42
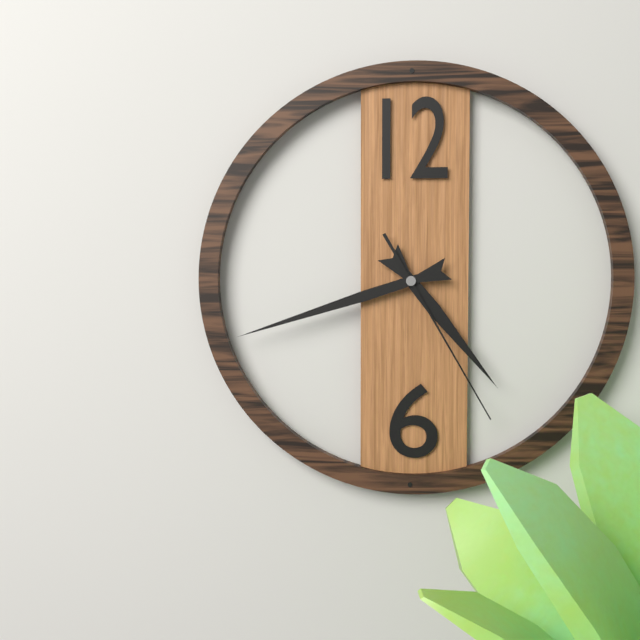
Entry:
4,42,25
